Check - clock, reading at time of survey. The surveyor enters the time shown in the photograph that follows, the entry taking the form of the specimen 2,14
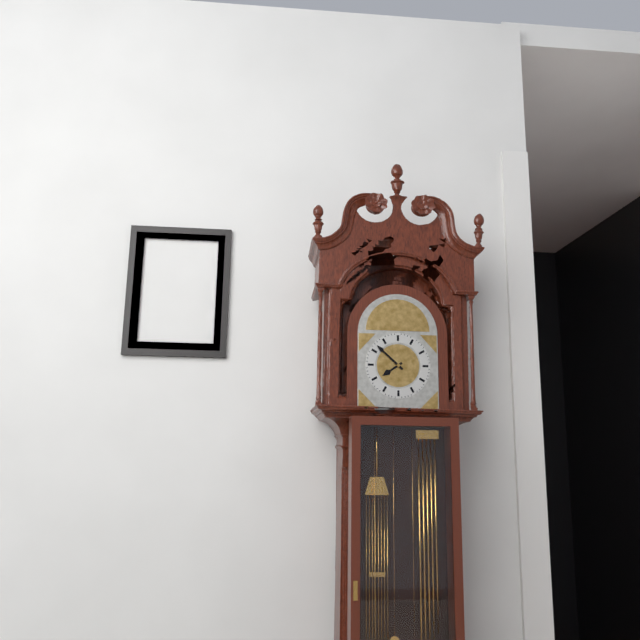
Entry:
7,52
